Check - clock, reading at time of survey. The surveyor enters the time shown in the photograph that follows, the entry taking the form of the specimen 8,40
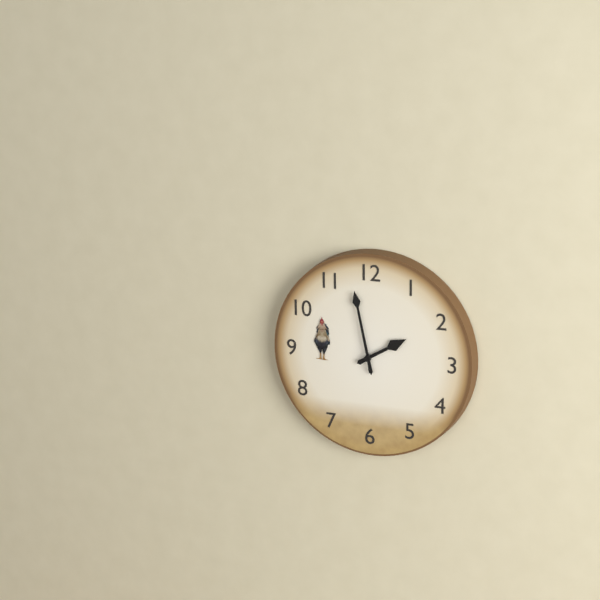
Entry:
1,58
